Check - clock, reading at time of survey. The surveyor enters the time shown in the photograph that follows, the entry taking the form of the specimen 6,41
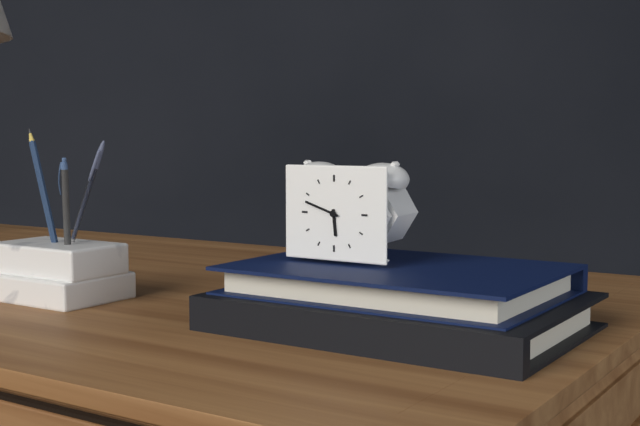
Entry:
5,48
